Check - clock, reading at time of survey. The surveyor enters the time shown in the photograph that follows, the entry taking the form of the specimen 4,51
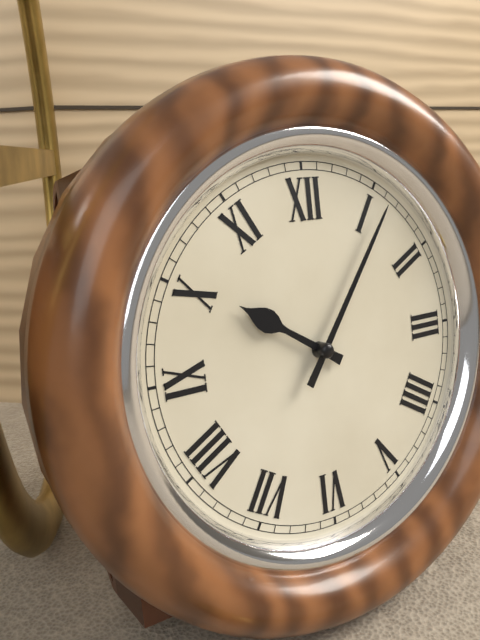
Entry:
10,06
